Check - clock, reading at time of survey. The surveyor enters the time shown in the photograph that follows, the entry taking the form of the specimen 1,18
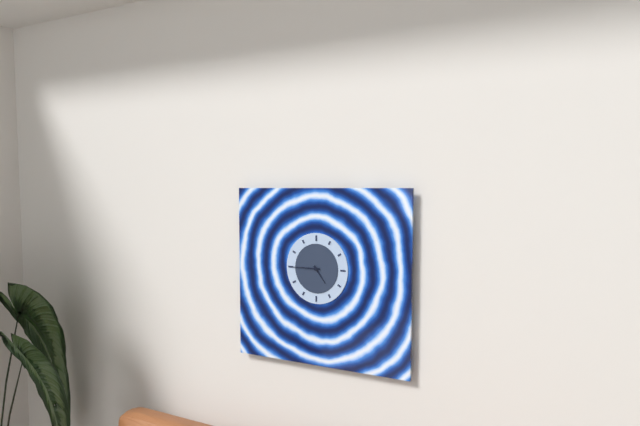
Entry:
4,45
